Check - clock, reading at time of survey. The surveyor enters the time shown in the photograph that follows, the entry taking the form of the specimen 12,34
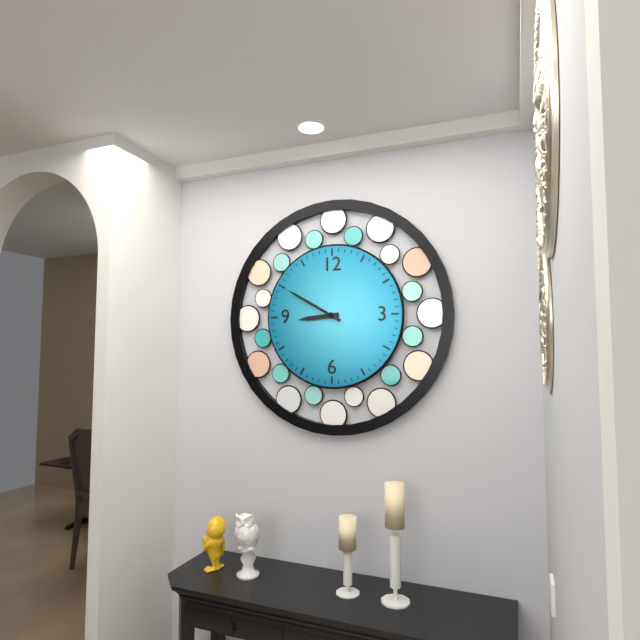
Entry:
8,50
